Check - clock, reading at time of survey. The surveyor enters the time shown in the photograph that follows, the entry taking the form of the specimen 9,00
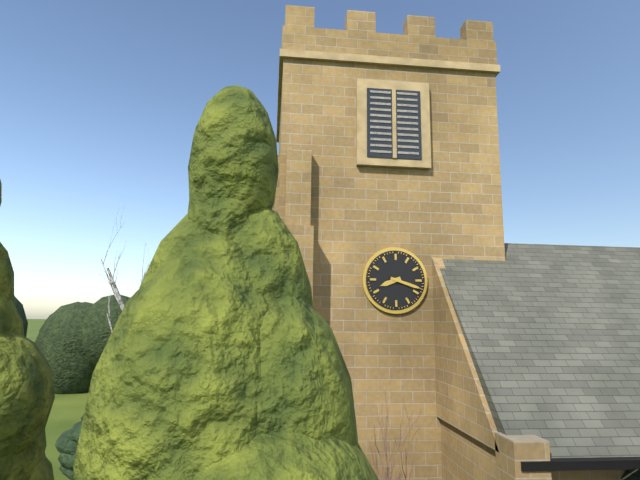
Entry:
8,18
